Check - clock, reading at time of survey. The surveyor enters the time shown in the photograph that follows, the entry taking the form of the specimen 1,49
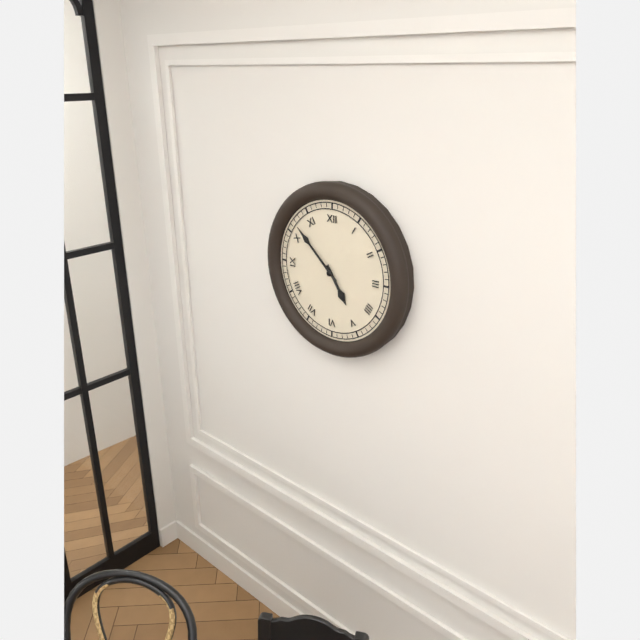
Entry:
4,52
